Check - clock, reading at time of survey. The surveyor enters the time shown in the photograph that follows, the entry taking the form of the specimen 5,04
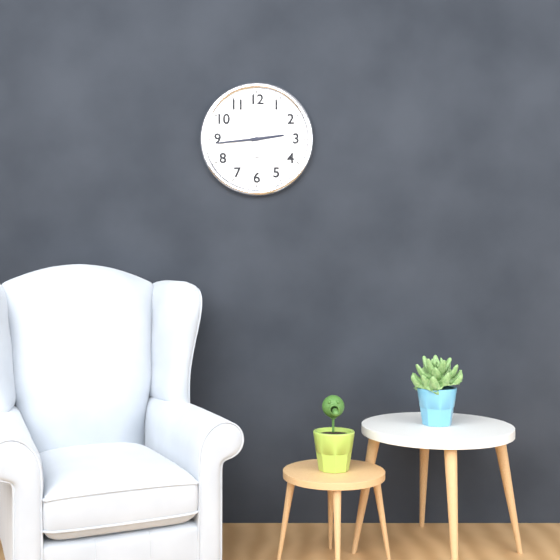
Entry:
2,44
